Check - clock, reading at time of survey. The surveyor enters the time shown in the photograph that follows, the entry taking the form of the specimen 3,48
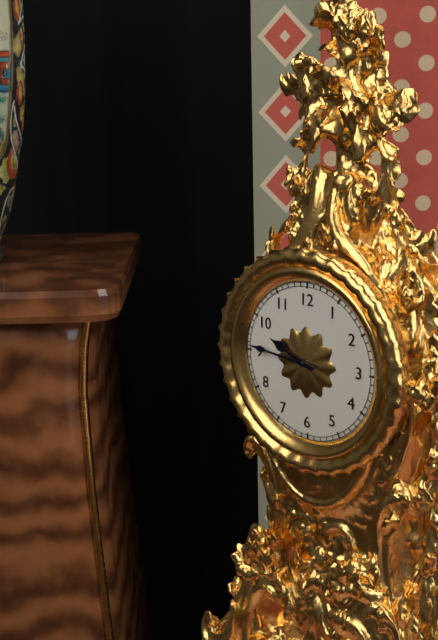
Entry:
9,46
